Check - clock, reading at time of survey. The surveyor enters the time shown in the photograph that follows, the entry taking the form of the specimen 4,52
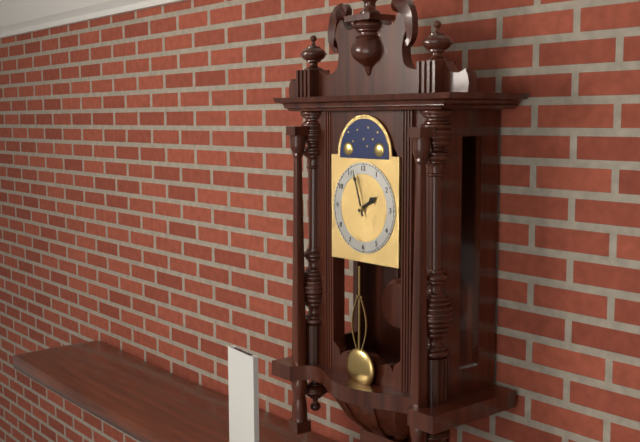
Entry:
1,57
